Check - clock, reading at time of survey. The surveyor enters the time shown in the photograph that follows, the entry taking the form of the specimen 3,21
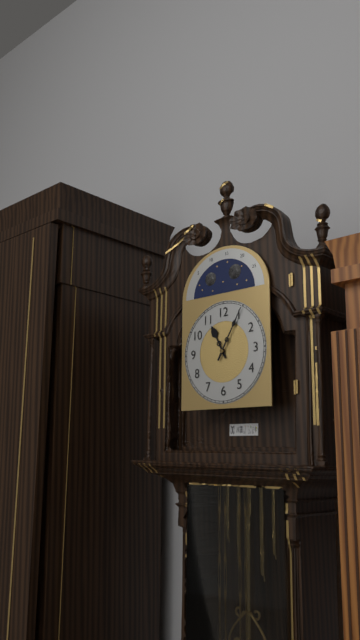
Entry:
11,05
